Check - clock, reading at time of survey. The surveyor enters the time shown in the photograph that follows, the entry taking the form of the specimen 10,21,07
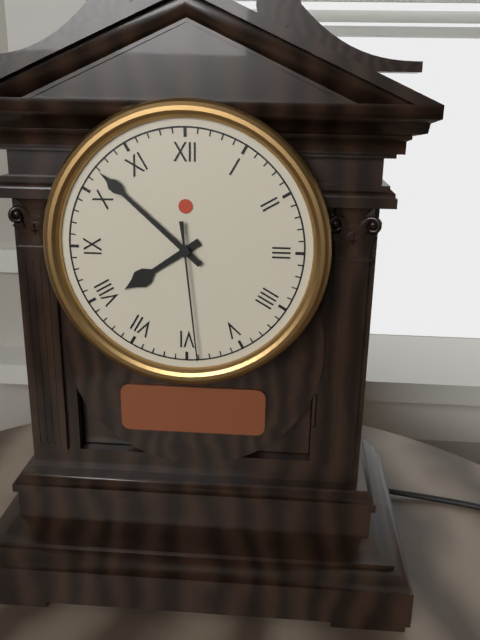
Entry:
7,52,29
